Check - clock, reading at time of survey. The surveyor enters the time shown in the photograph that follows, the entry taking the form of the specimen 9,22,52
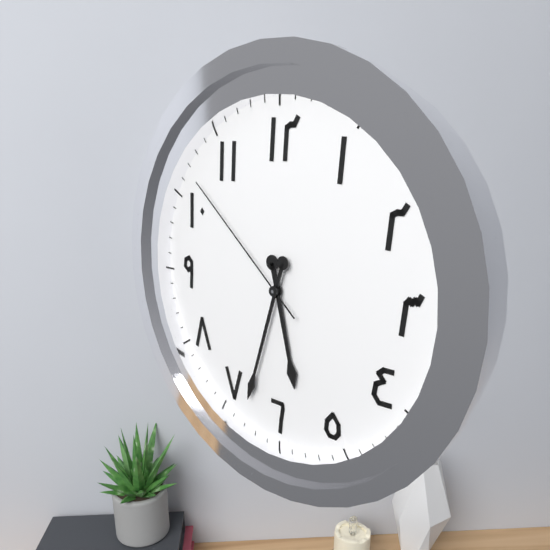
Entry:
5,33,52
